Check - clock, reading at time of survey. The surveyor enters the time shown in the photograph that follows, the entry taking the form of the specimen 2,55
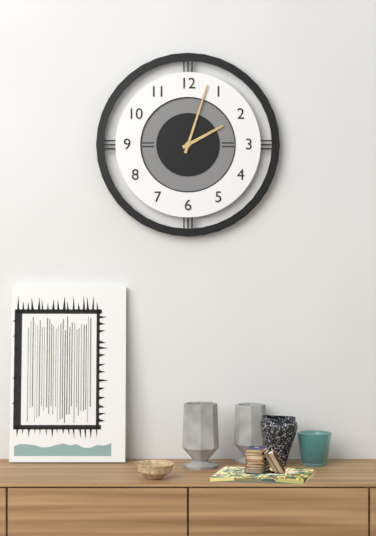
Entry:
2,03
